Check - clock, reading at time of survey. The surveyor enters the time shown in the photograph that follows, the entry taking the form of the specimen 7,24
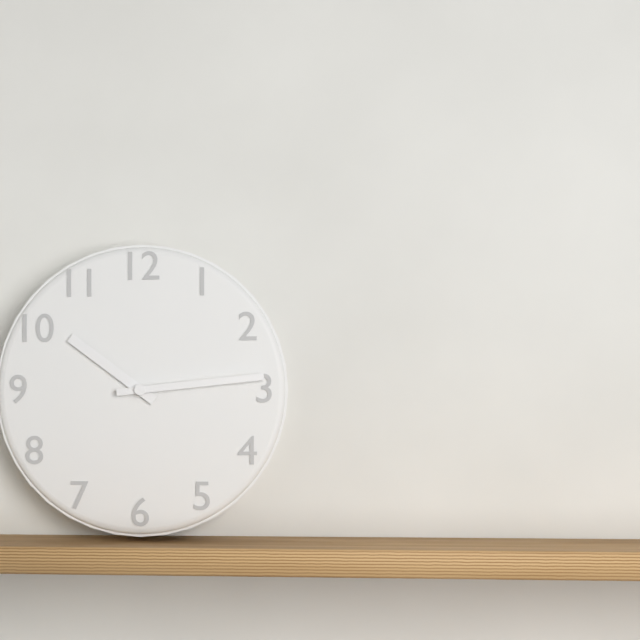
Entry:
10,14
